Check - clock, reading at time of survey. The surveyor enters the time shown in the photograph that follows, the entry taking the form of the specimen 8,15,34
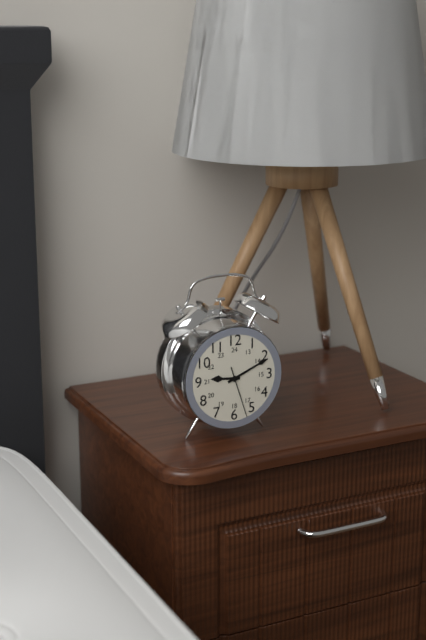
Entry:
9,11,27
